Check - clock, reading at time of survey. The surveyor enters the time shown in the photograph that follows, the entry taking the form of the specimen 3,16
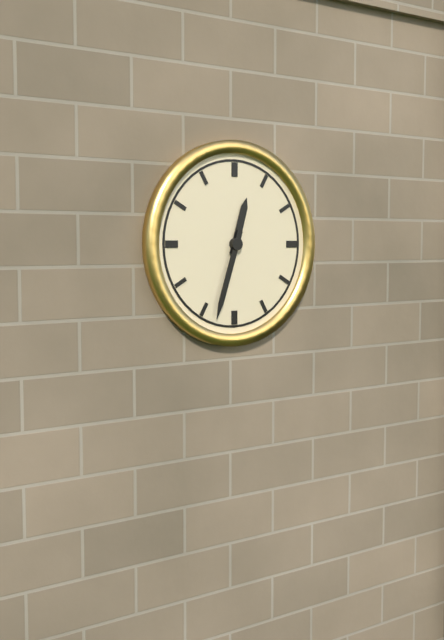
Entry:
12,33
